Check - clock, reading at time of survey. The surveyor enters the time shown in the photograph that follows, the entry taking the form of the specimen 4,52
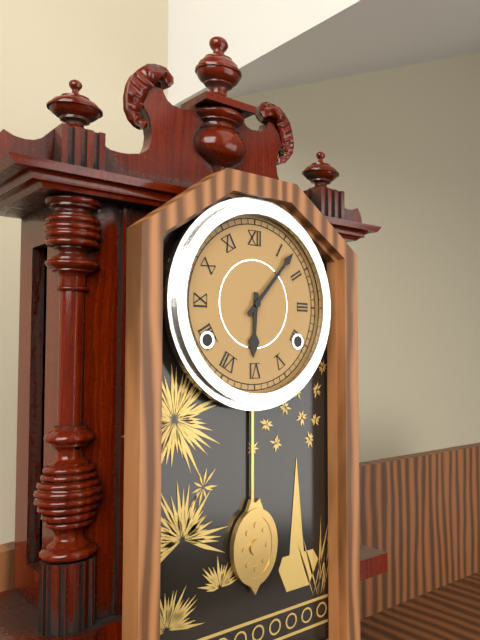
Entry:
6,07
